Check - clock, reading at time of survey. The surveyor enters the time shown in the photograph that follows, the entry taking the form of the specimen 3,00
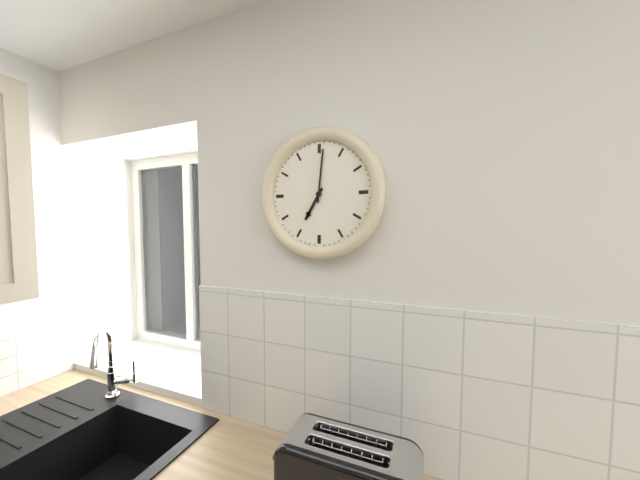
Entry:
7,01
